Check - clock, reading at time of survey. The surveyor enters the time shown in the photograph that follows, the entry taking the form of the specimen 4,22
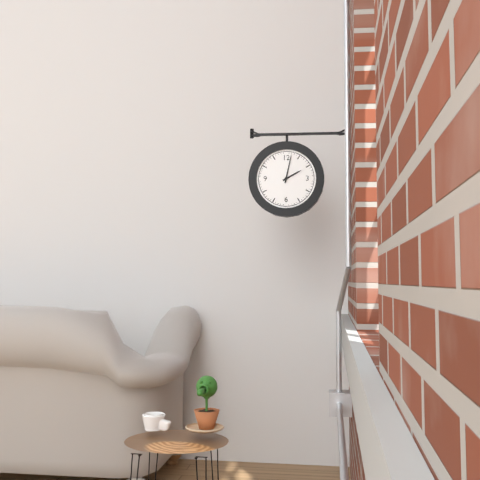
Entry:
2,02
